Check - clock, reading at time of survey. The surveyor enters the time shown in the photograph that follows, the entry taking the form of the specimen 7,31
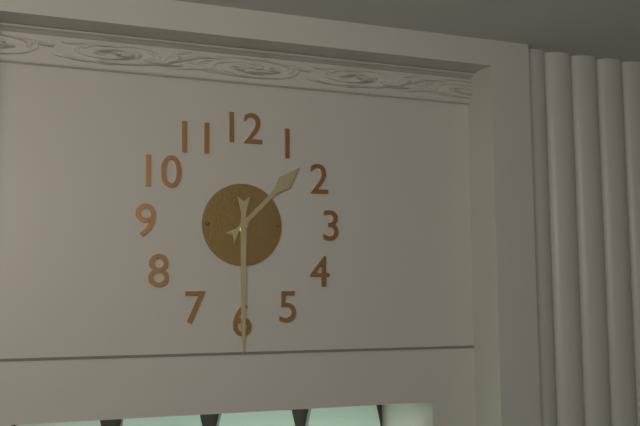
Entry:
1,30
